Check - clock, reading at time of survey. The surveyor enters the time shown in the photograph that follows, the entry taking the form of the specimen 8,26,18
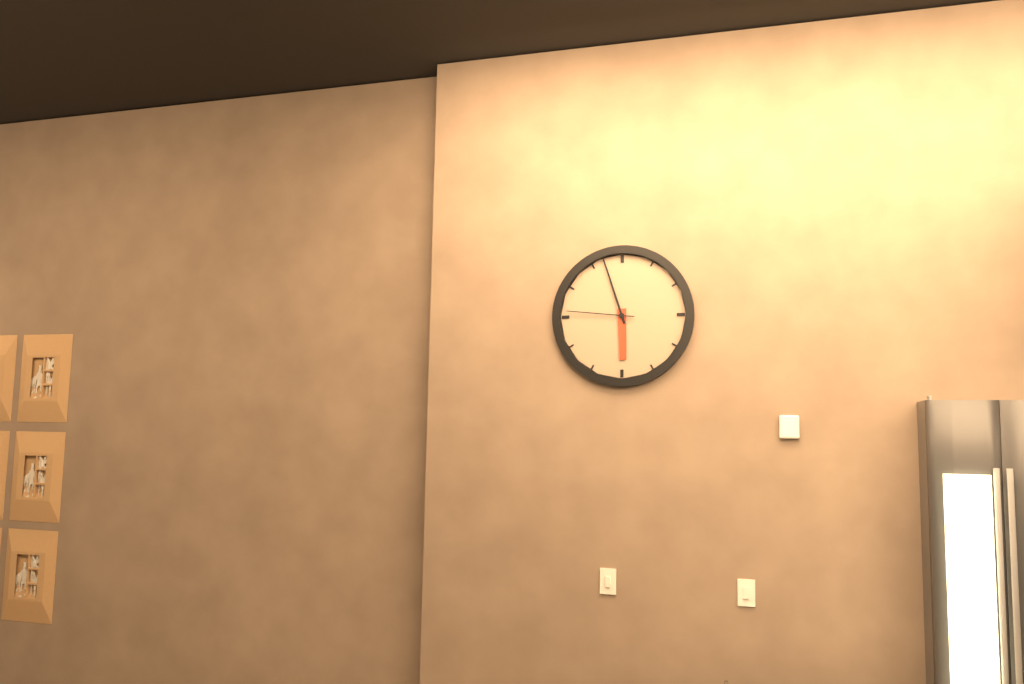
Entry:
5,57,46
